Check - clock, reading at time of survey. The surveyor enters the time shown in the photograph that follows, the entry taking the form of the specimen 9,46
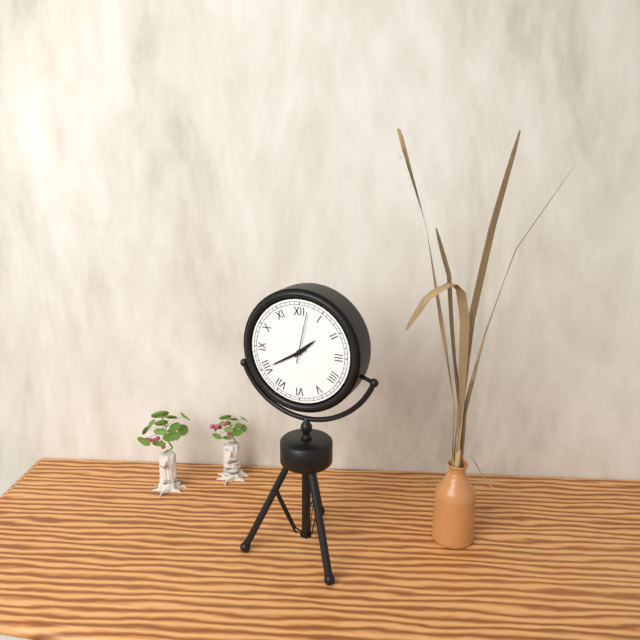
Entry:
1,40
